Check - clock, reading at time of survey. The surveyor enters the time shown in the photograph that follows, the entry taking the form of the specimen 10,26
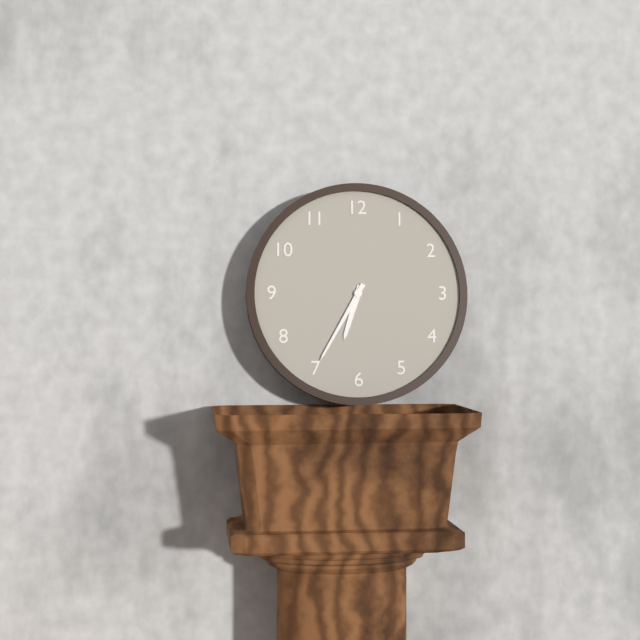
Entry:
6,35
